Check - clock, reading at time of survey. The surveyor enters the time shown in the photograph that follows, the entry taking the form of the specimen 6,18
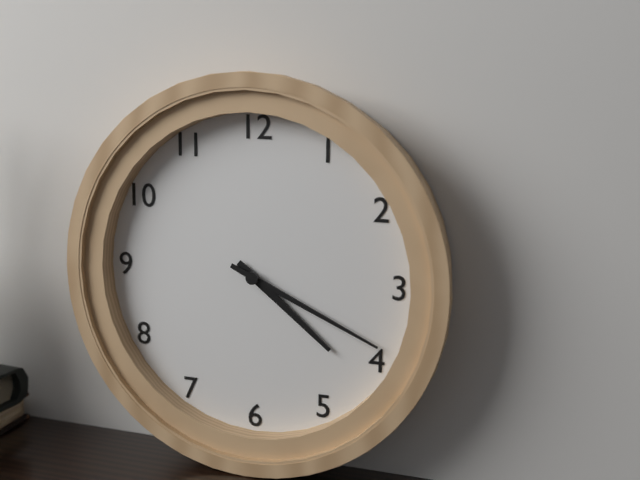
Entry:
4,19
